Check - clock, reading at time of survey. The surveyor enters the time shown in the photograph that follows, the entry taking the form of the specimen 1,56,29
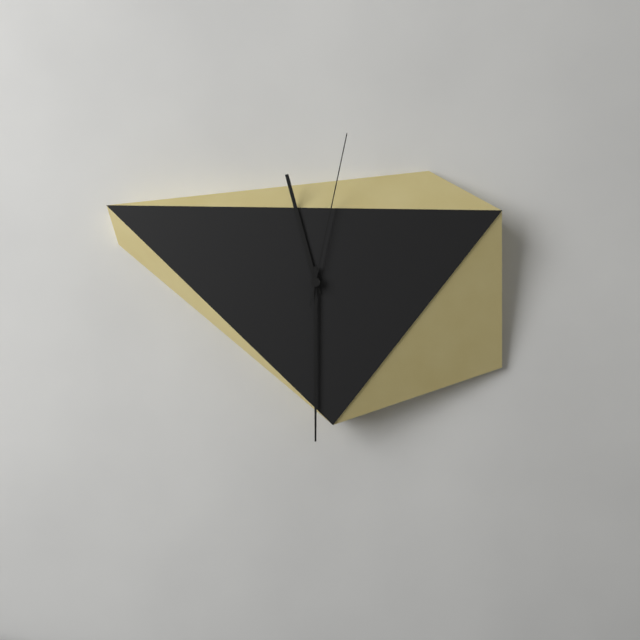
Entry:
11,30,02
